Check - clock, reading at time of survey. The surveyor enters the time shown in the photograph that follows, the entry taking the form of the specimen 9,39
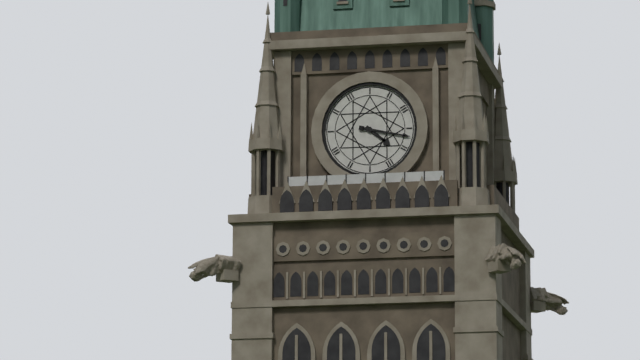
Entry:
4,17
